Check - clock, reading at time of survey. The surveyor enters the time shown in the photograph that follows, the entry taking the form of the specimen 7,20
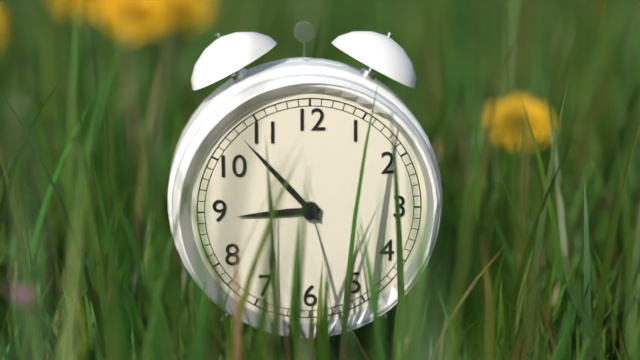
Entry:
8,53
